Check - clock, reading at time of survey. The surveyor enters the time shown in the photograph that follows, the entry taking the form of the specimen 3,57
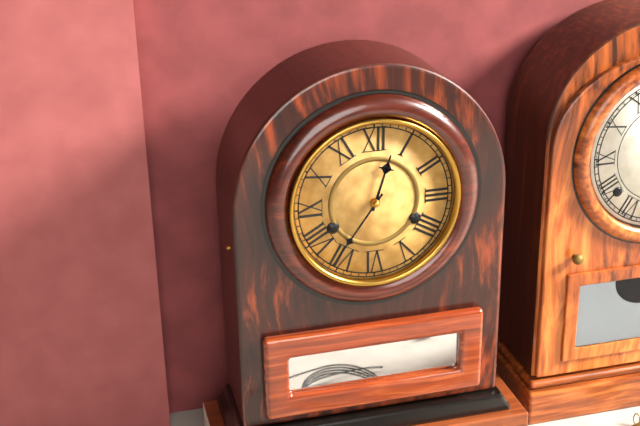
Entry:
12,36
